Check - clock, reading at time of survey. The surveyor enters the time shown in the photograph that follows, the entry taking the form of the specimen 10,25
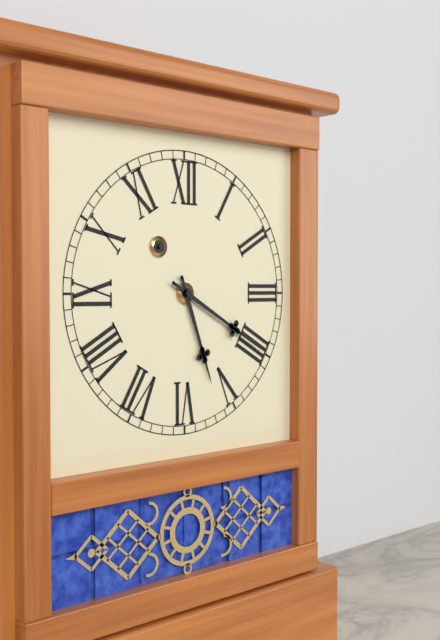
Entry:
5,20
